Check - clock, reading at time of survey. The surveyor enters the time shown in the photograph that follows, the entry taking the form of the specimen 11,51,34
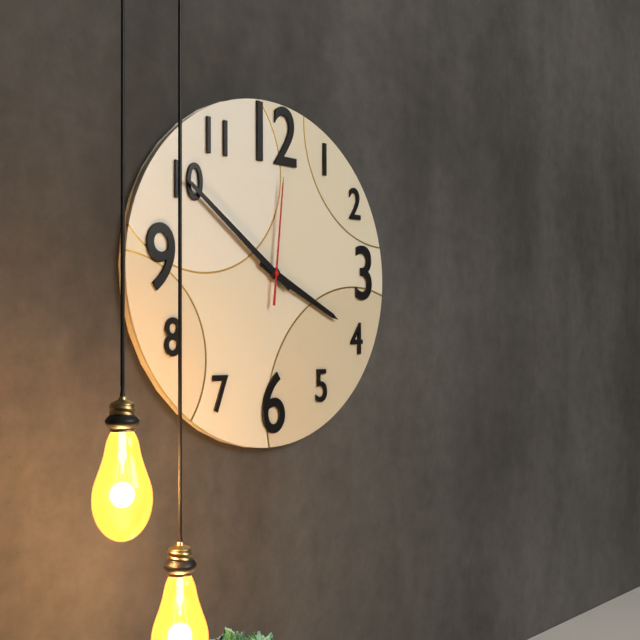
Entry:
3,51,01
